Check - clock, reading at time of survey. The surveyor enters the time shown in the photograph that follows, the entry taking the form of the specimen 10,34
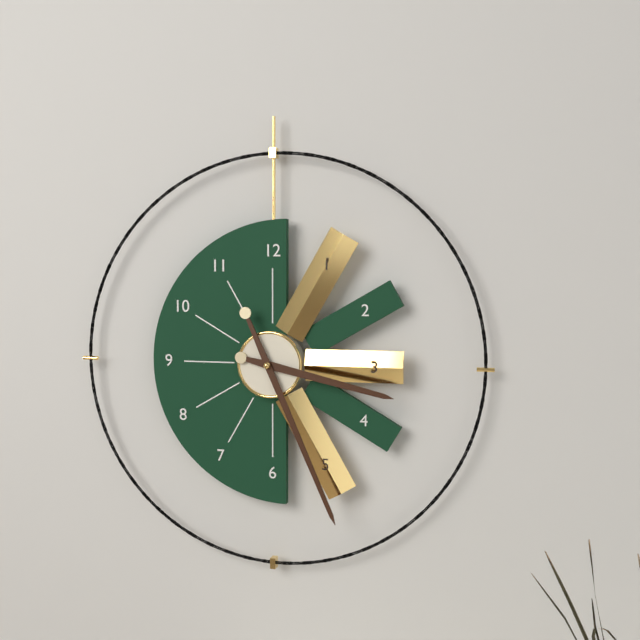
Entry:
3,26
